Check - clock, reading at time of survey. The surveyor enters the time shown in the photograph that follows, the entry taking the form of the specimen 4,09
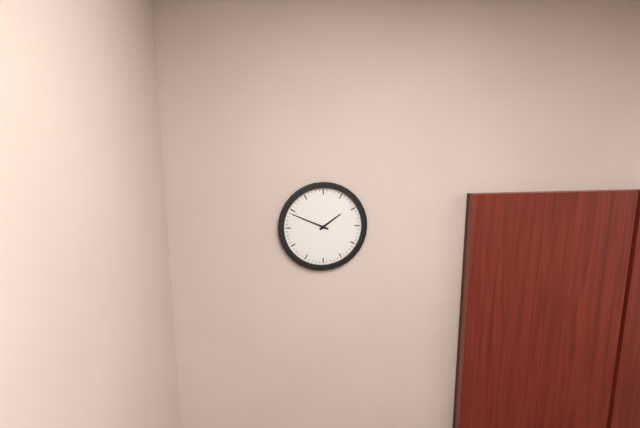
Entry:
1,49
